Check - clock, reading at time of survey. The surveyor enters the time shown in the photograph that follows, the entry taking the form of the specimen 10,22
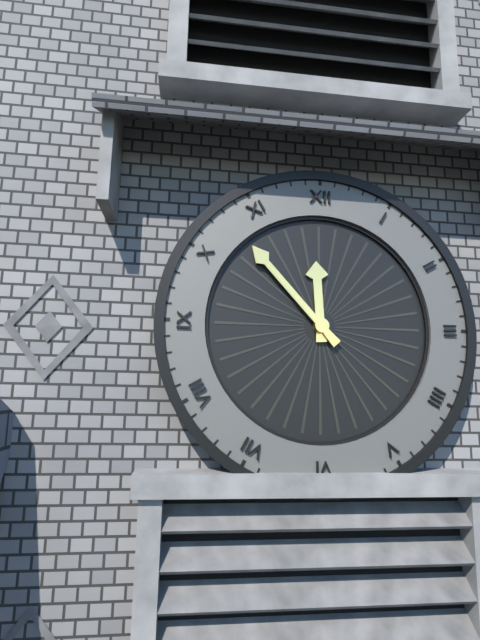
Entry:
11,53
